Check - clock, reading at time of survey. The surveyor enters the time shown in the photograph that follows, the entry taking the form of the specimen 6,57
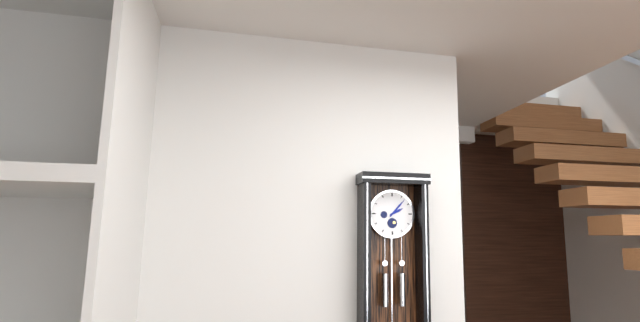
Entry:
2,07
